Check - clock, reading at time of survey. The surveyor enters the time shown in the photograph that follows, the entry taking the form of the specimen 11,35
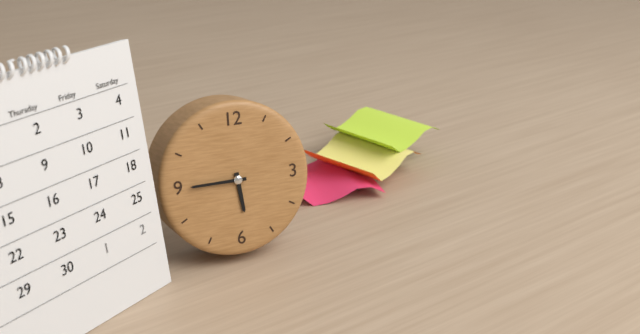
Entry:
5,45
